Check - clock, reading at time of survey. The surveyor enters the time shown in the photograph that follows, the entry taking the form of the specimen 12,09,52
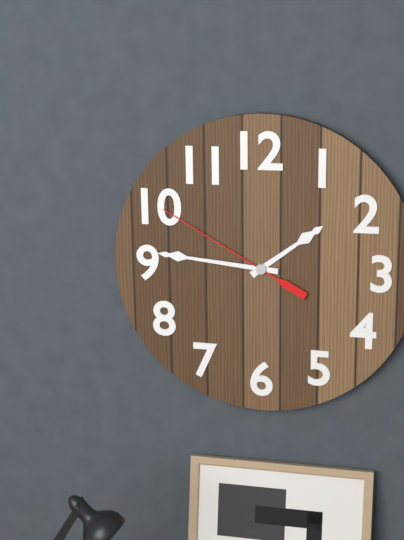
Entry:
1,46,50
